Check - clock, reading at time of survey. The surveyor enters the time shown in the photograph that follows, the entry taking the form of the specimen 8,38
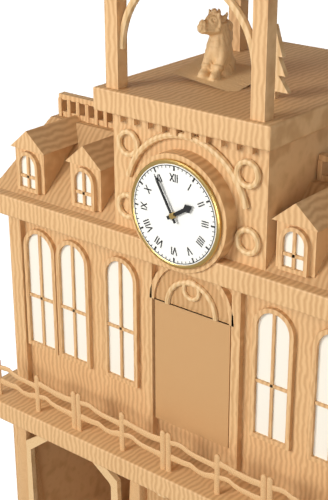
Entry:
1,55
